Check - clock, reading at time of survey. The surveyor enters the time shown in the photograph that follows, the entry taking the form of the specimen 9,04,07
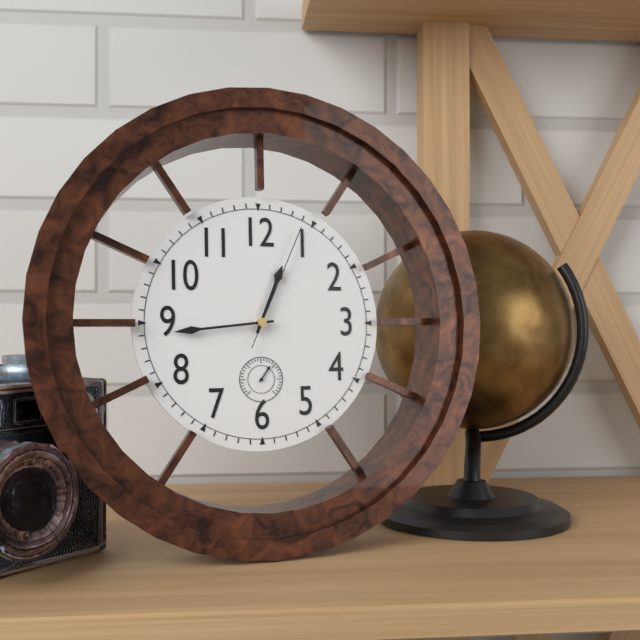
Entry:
12,44,04
